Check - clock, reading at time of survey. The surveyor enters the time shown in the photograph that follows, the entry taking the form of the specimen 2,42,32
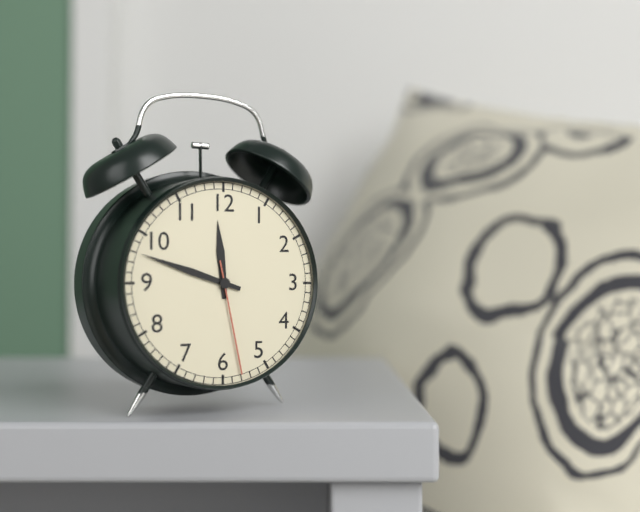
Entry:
11,48,28
